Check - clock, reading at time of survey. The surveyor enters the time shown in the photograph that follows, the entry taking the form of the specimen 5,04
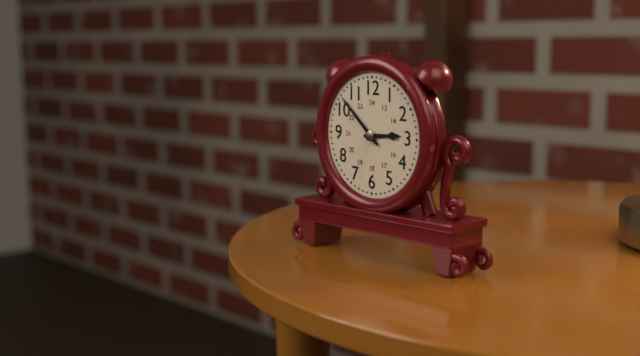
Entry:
2,52
